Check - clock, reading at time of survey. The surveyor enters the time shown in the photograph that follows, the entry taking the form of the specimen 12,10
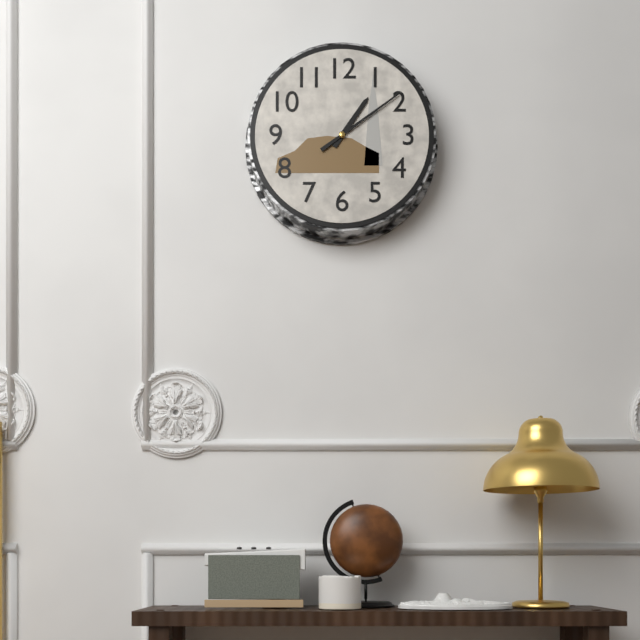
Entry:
1,09
